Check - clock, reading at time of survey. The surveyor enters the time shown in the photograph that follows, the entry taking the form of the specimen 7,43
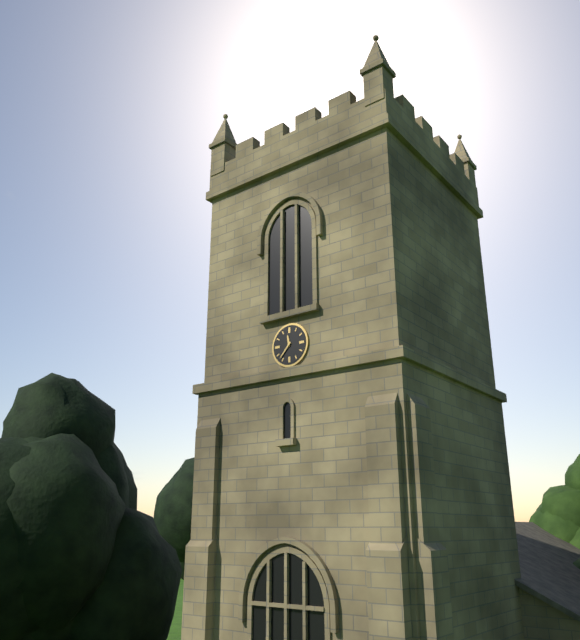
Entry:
11,37
